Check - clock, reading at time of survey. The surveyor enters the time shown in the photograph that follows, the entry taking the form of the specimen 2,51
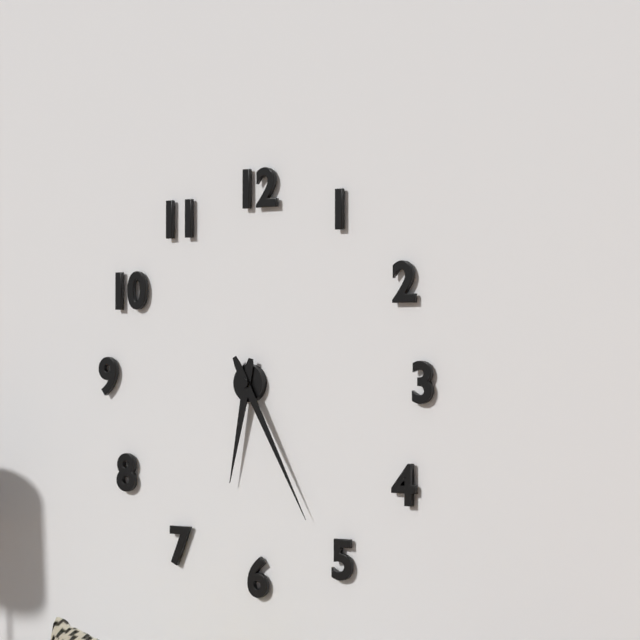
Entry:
6,25
